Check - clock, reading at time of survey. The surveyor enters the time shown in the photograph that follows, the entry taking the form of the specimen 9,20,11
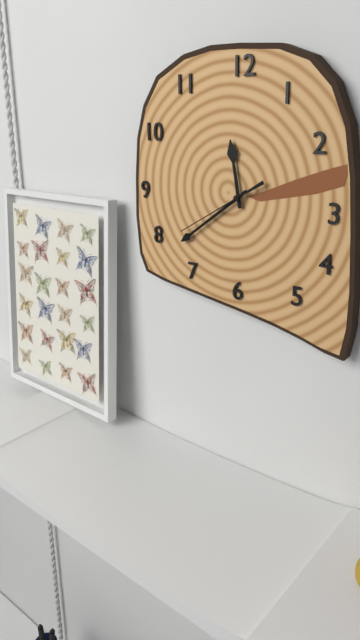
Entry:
11,39,40
